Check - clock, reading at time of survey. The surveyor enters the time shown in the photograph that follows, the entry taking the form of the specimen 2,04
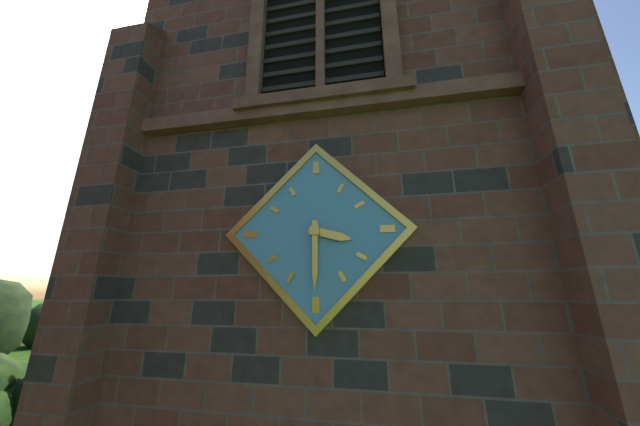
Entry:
3,30
